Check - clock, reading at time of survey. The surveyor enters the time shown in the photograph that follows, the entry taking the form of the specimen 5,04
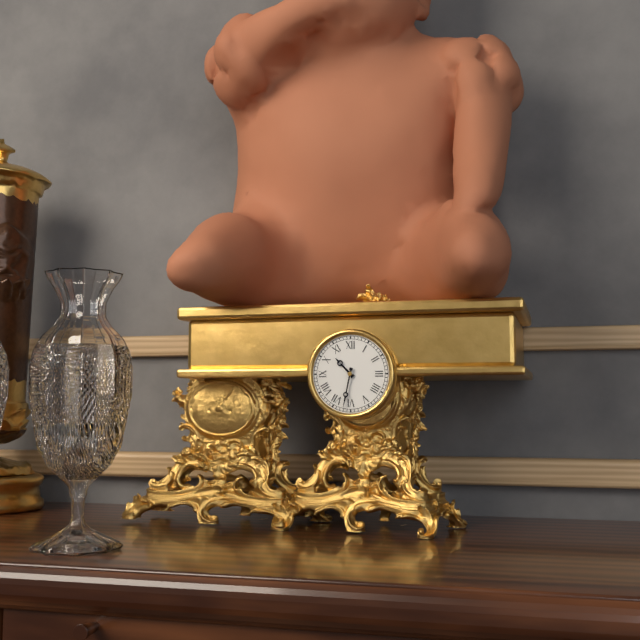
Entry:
10,32
